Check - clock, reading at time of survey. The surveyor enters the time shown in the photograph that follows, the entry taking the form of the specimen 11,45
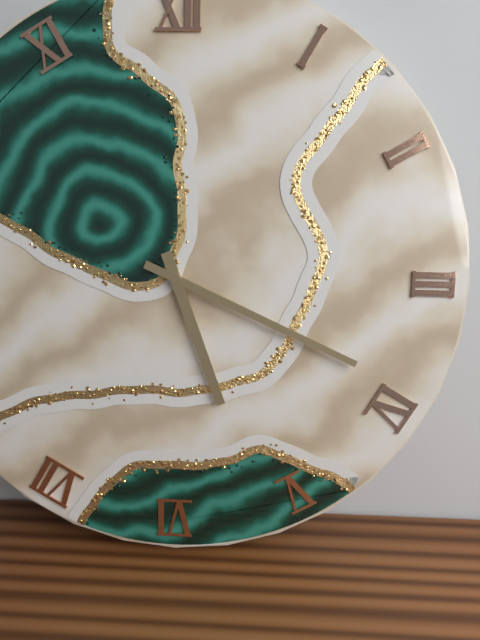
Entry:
5,19
